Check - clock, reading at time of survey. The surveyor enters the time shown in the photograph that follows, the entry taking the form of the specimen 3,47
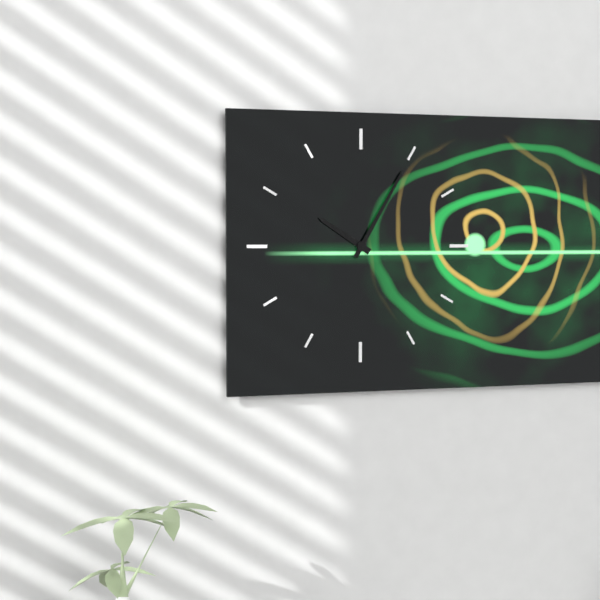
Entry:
10,05
